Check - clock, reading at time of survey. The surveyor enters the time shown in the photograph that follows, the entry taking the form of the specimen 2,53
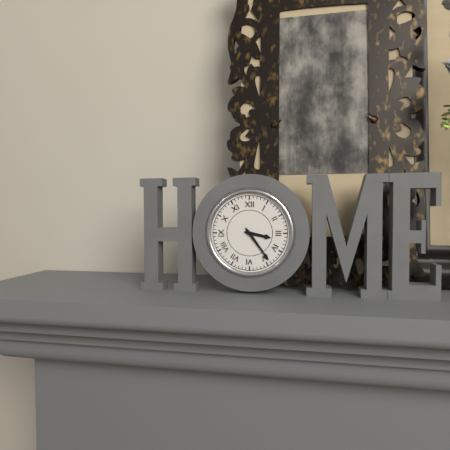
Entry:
3,24
